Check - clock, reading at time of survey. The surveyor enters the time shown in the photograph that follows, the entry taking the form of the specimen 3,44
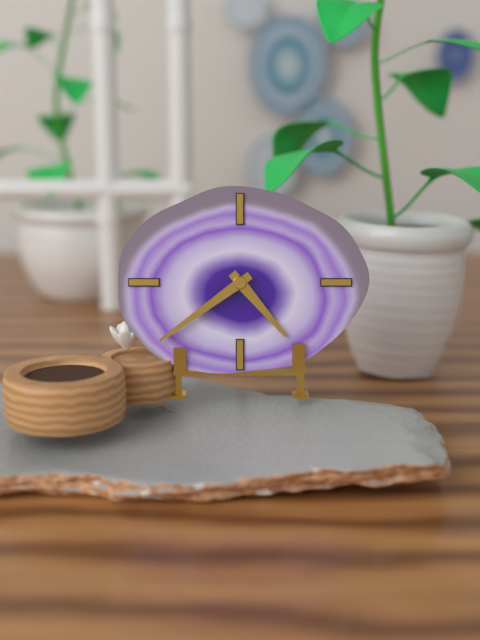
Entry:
4,39
